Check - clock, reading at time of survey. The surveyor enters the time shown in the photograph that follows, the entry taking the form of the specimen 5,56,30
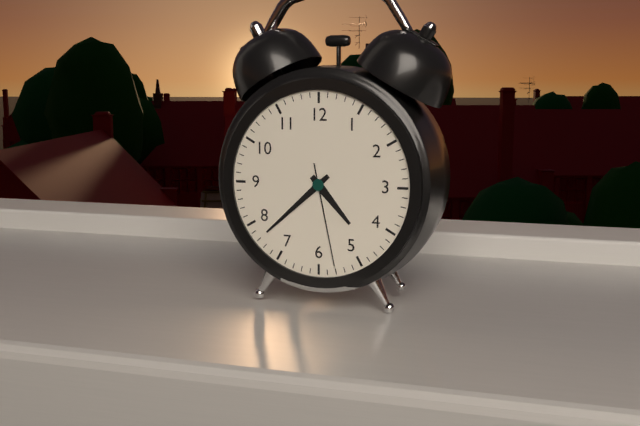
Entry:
4,38,28
